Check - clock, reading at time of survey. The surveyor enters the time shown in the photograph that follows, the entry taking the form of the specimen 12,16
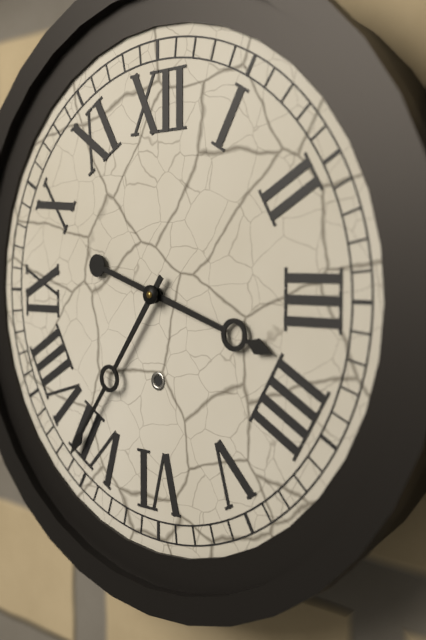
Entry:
3,36
